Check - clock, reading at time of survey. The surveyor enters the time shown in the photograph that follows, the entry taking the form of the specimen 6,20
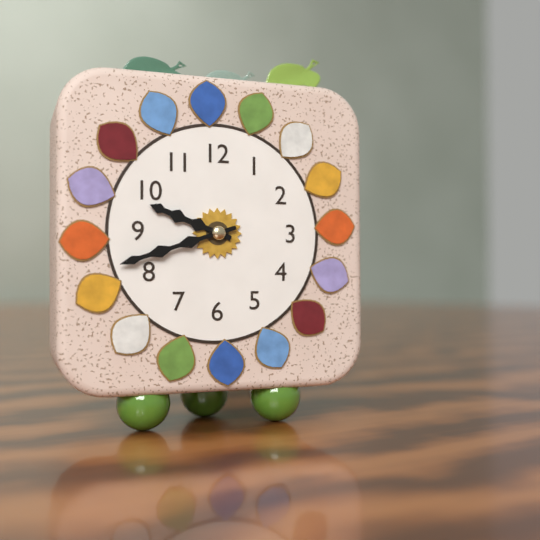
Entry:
9,42
